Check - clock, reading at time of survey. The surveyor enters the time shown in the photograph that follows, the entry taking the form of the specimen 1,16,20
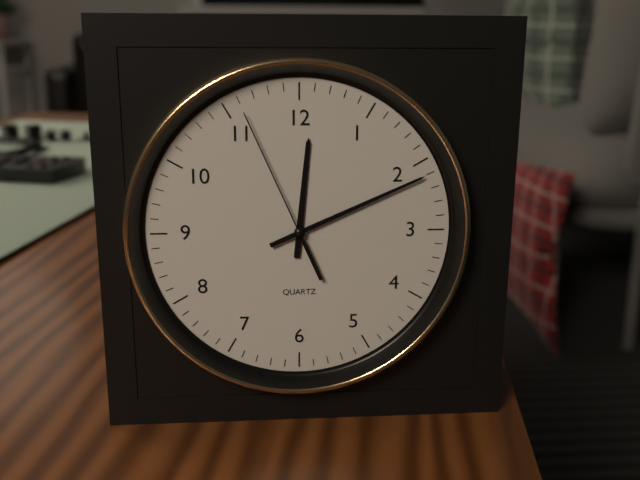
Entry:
12,11,56
